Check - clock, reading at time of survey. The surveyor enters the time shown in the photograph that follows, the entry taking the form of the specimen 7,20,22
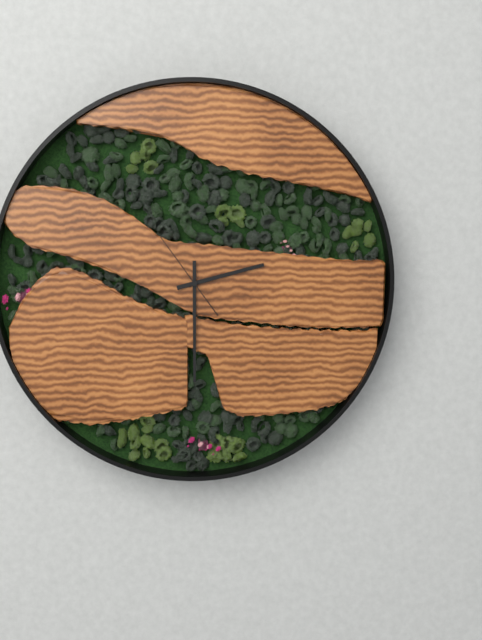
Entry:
2,30,54
